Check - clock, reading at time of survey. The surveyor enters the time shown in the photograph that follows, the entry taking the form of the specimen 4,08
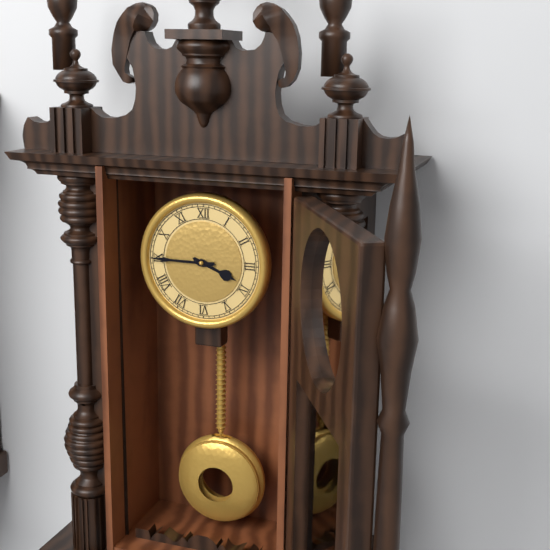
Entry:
3,45
